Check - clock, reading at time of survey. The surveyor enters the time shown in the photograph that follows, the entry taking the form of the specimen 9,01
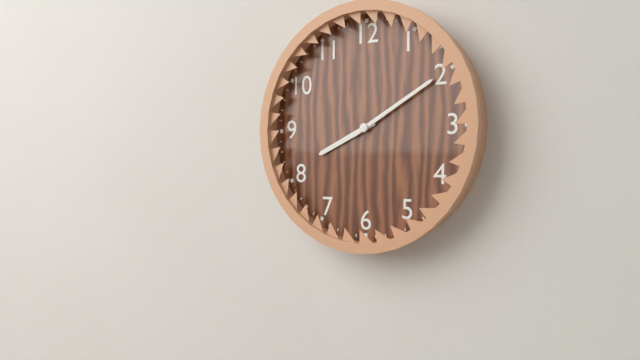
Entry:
8,10
